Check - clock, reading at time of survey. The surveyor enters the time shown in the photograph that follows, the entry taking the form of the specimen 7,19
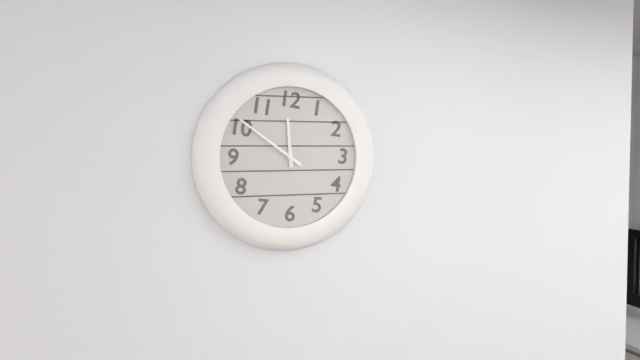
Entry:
11,51
